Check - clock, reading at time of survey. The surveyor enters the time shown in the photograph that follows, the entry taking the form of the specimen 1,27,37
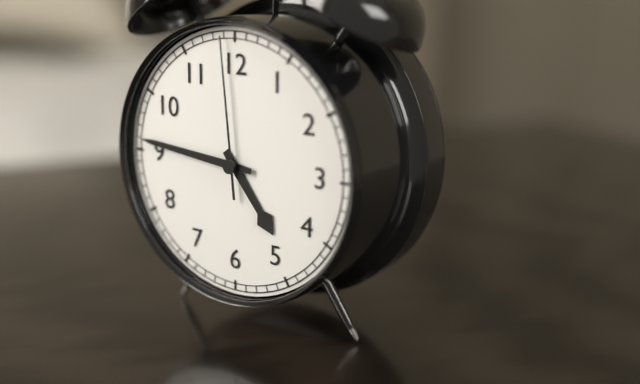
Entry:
4,46,59
